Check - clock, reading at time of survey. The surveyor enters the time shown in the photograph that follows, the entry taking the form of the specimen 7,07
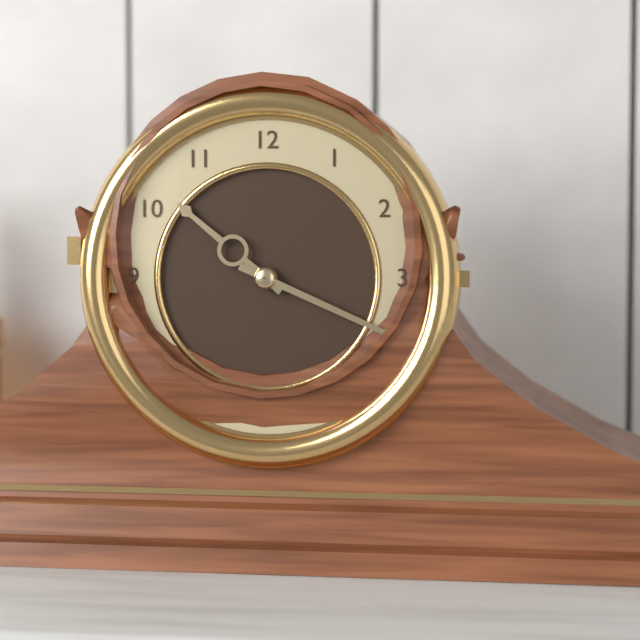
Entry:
10,19
